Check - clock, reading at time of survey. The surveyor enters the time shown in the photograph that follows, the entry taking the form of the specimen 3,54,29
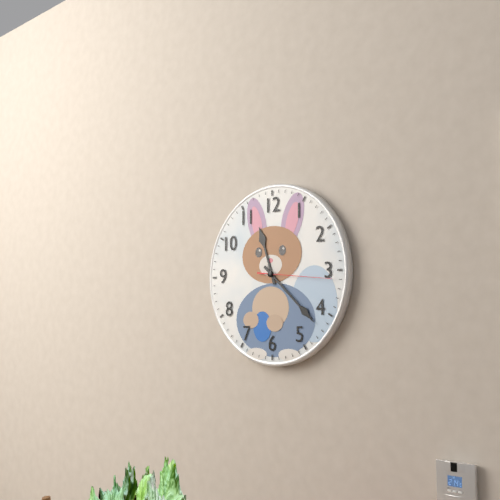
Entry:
11,22,16
